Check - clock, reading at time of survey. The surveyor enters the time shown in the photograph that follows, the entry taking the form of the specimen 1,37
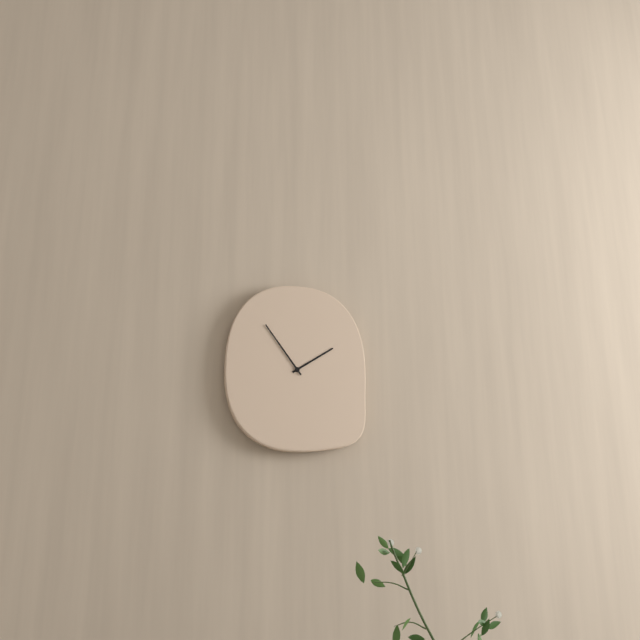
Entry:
1,54
